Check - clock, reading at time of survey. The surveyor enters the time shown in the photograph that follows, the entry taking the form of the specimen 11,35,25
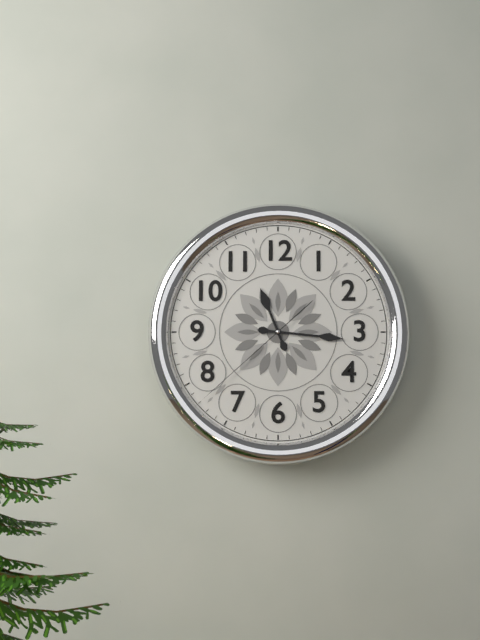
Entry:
11,16,38
